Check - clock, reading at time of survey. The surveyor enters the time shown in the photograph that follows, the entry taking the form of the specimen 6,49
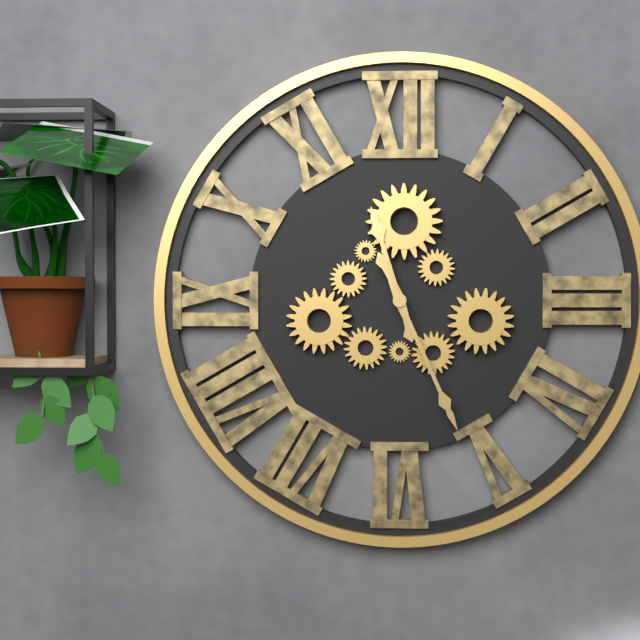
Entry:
11,26
